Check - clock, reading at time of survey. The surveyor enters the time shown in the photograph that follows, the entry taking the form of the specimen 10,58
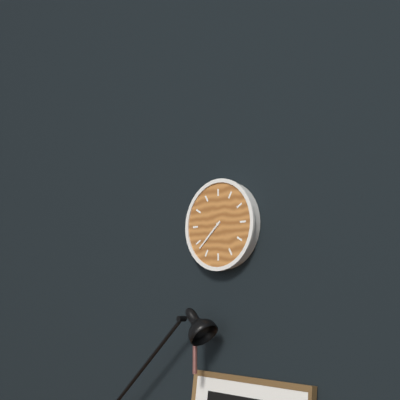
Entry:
7,38
